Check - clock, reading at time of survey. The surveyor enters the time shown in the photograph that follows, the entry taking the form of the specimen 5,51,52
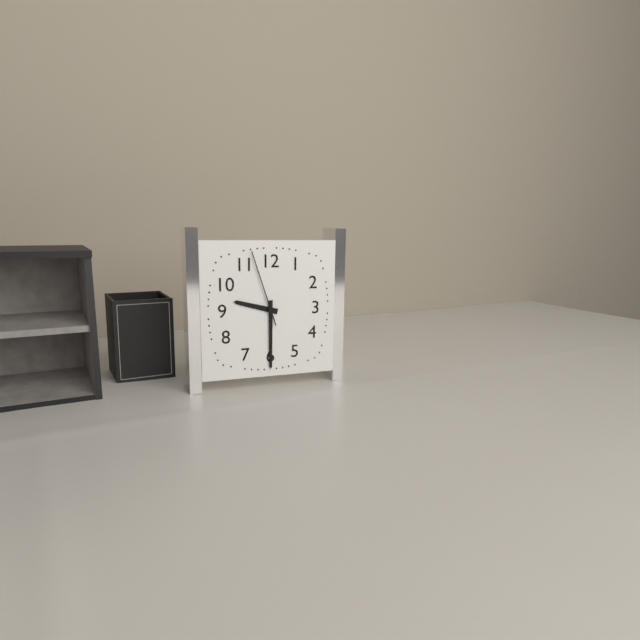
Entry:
9,30,57
